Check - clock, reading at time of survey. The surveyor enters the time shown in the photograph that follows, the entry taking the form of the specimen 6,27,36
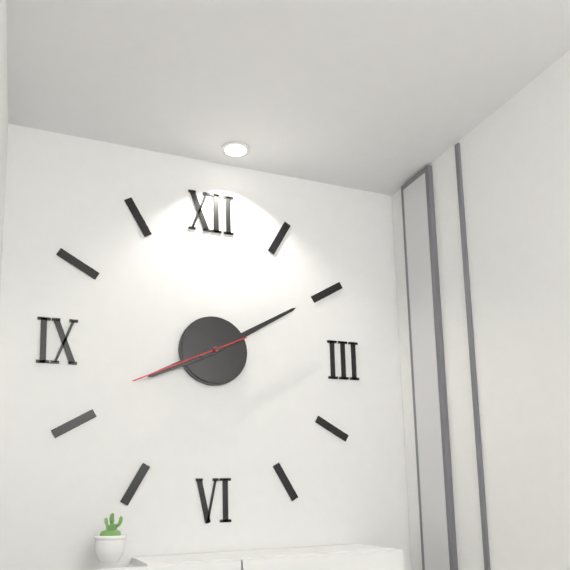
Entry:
8,10,41
